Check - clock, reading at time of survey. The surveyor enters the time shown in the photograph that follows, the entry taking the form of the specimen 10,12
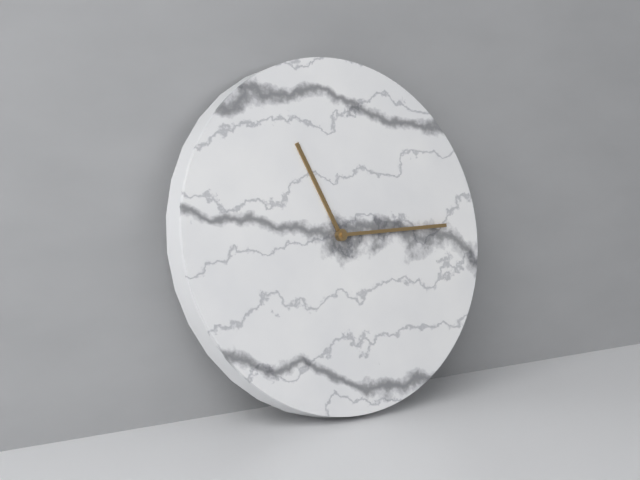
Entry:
11,15
